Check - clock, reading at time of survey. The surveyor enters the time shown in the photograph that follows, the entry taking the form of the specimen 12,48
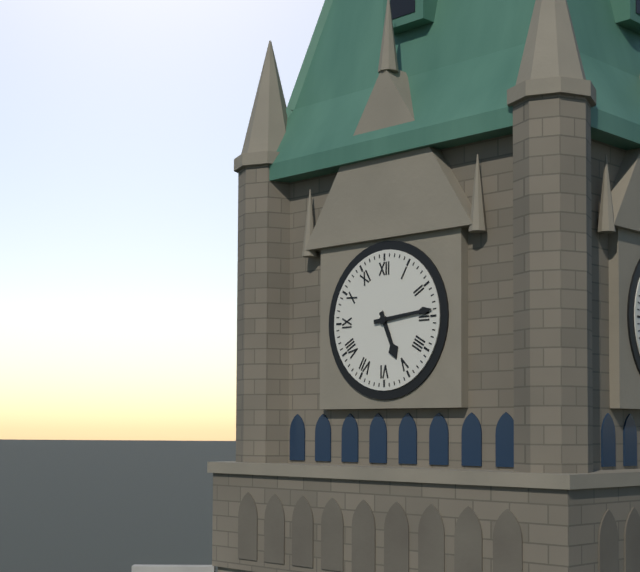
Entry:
5,14
